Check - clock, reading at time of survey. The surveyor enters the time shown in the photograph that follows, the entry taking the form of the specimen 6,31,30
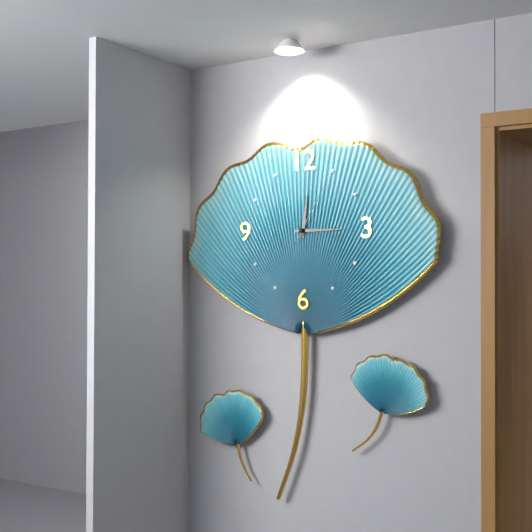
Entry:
12,15,05
